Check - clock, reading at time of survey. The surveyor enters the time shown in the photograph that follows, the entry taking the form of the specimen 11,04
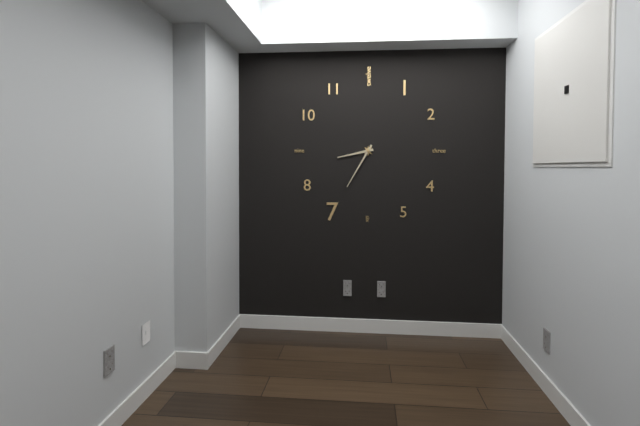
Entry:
8,35
